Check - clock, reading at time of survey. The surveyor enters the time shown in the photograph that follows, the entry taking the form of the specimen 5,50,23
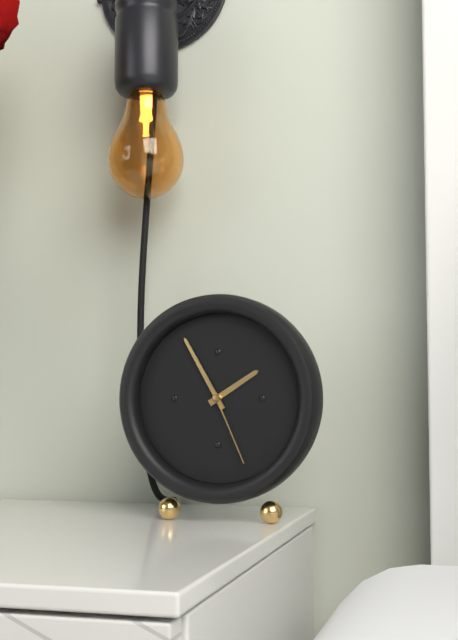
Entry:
1,55,26
